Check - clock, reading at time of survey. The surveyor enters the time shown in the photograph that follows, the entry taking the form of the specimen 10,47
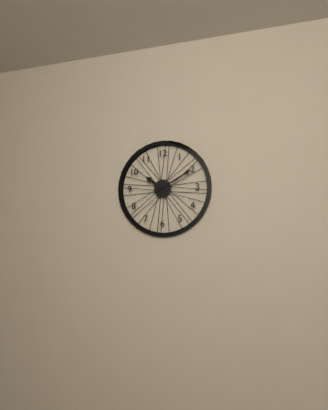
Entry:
10,10
